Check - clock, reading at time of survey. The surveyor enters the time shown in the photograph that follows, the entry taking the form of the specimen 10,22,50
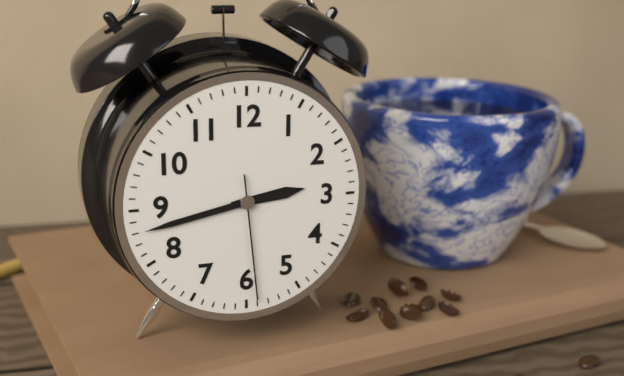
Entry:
2,43,29
